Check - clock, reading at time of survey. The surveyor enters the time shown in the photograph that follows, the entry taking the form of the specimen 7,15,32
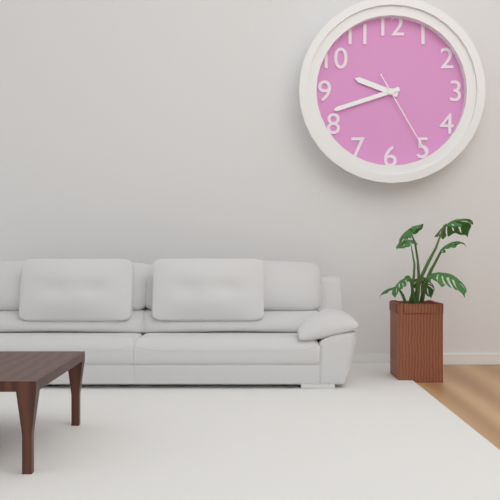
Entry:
9,42,25
